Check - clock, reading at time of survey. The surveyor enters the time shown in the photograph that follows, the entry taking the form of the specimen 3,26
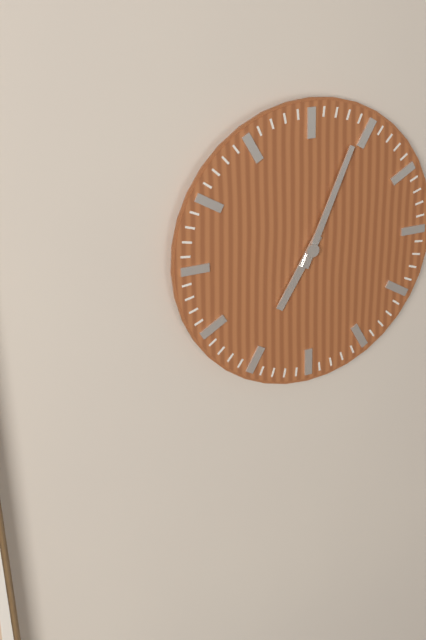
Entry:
7,04
